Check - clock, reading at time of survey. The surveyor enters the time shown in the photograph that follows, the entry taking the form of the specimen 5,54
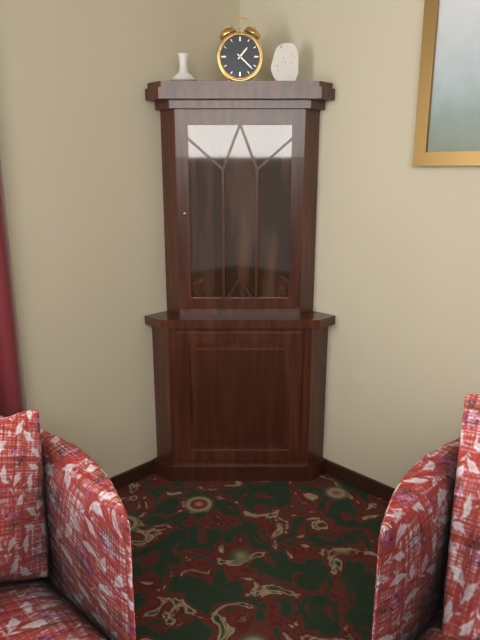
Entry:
1,22
